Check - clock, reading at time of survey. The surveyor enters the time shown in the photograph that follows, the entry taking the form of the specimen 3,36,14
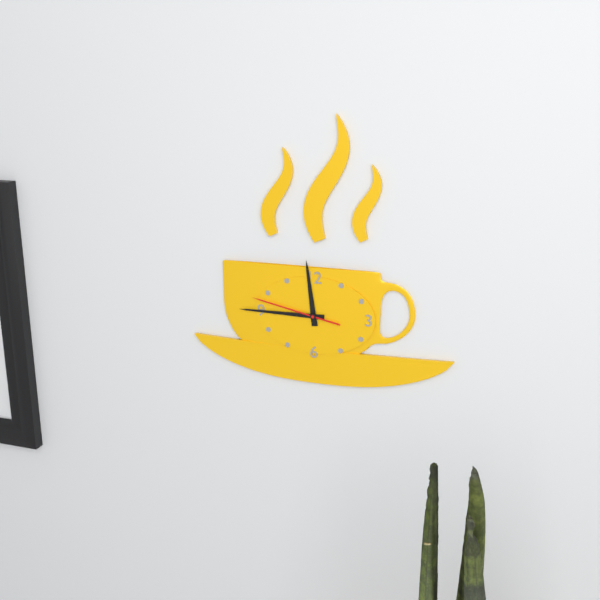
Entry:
11,45,47
